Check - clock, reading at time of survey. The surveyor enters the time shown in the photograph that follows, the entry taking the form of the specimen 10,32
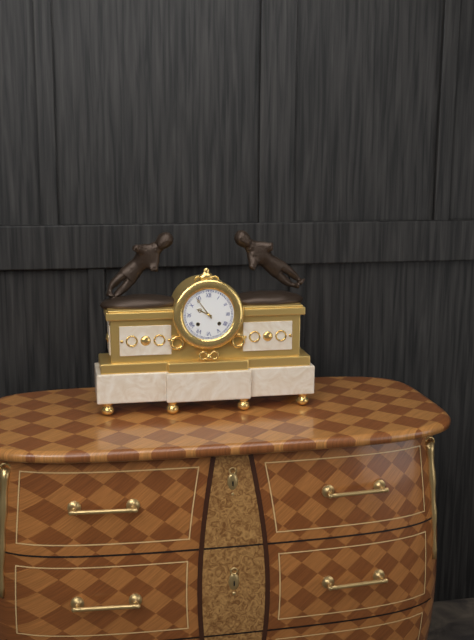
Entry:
9,54
